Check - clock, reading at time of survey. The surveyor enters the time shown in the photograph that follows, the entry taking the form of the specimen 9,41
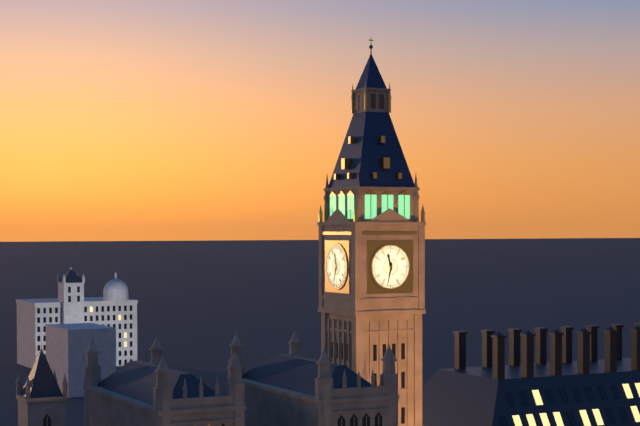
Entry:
11,32
